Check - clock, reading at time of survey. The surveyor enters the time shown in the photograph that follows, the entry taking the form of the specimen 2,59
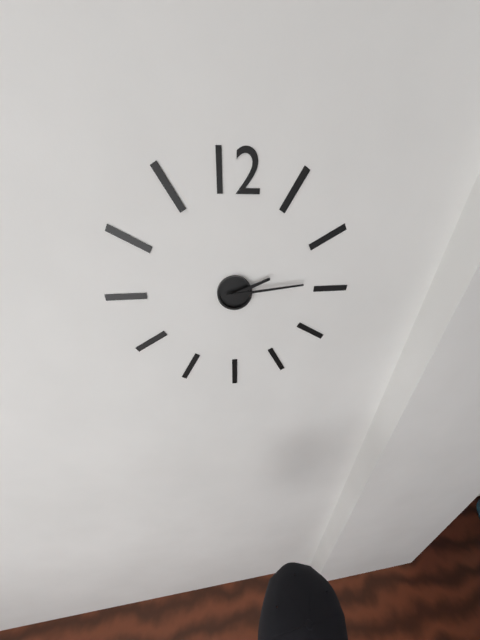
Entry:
2,14
